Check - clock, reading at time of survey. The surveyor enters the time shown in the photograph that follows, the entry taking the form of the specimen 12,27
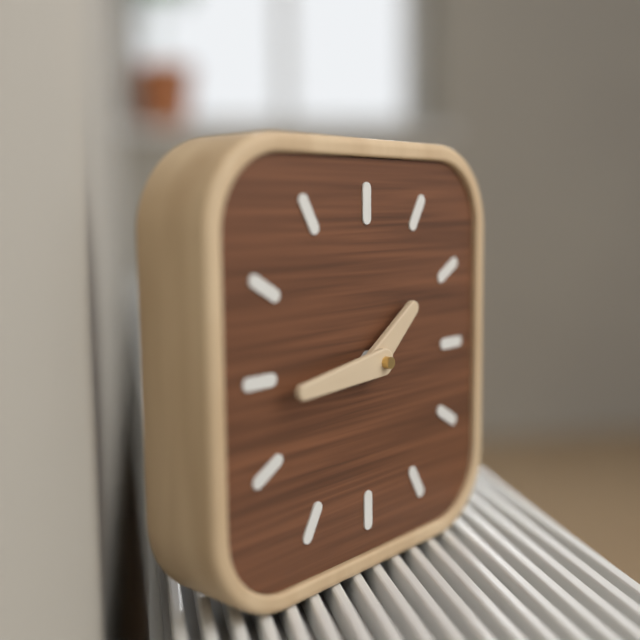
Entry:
1,44
